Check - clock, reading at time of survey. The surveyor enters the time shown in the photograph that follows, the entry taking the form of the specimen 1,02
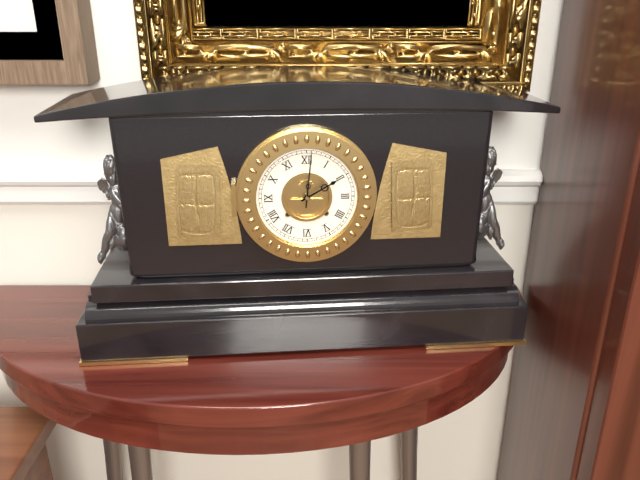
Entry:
2,01
